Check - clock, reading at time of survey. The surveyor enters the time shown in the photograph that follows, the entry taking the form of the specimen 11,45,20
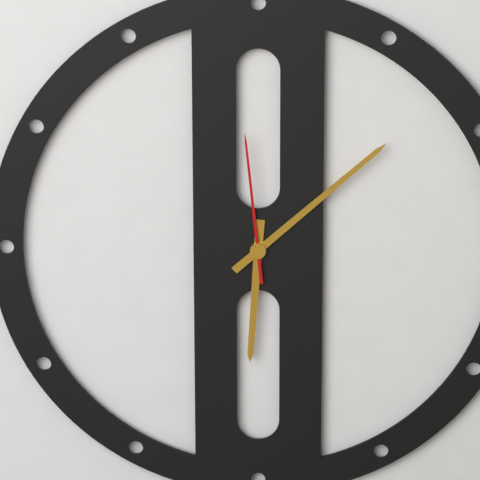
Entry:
6,08,59
